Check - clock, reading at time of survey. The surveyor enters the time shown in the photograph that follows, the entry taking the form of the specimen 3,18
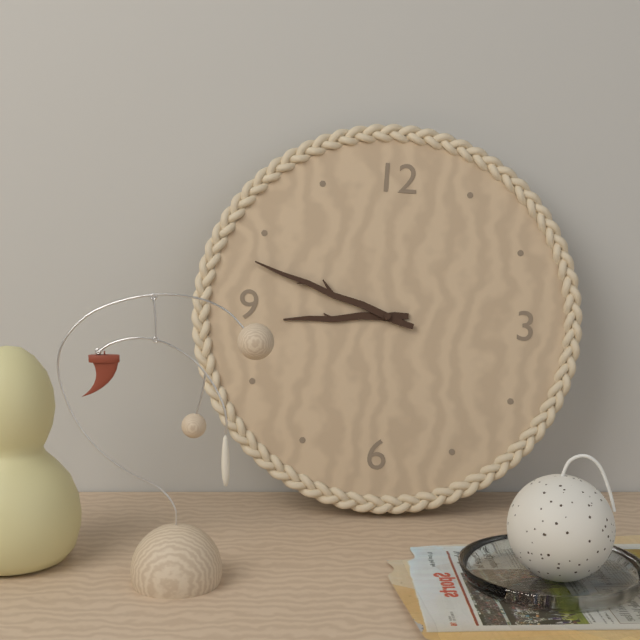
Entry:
8,48
